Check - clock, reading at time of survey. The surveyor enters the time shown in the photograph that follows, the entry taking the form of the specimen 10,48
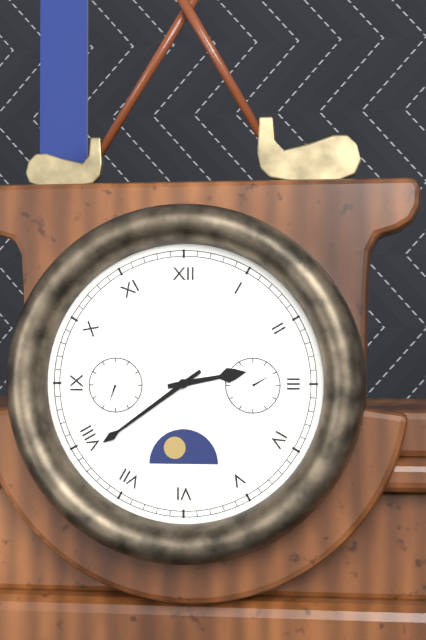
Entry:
2,39
